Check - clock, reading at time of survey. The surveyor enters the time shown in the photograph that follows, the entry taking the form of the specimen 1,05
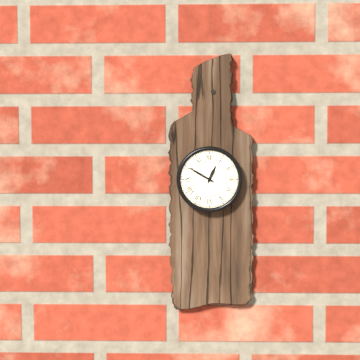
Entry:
12,50
